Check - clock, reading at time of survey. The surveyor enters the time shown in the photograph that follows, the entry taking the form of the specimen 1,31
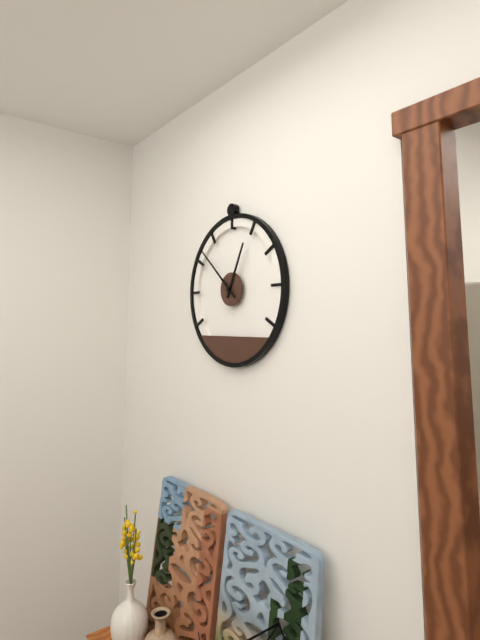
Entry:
12,52
